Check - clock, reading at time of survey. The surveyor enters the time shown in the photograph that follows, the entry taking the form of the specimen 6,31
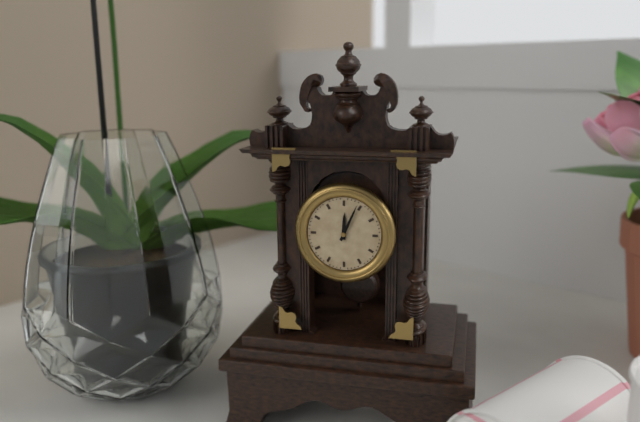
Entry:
12,04
